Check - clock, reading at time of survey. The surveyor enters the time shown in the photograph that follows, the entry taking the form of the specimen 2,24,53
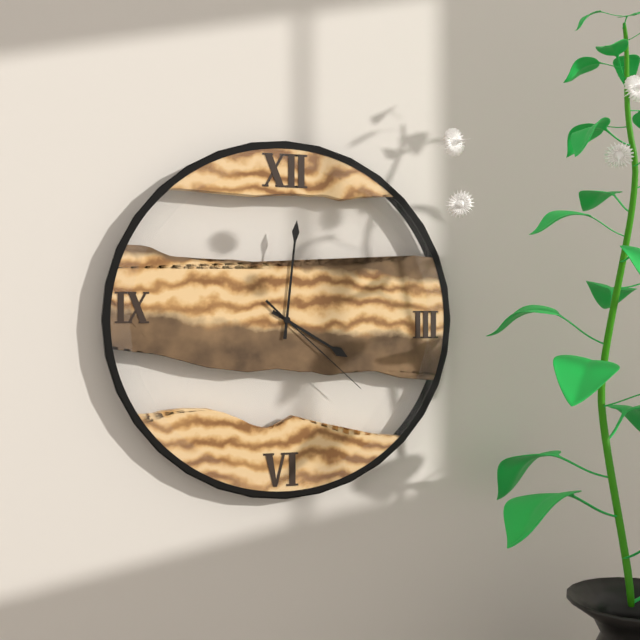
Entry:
4,01,22
